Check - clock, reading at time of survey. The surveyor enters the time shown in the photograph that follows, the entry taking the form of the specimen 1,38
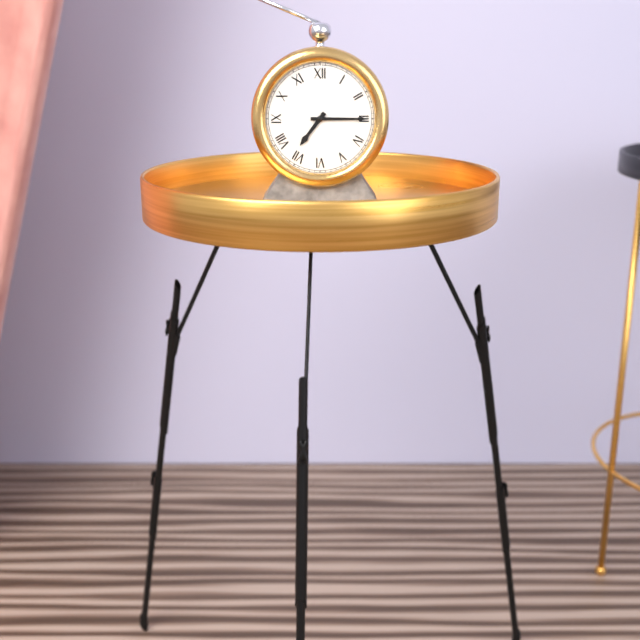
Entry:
7,15
